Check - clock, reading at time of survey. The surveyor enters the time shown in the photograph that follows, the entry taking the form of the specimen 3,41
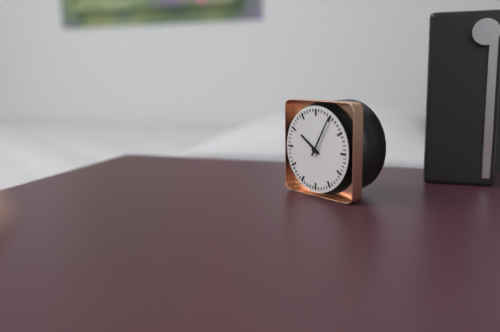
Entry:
10,05
